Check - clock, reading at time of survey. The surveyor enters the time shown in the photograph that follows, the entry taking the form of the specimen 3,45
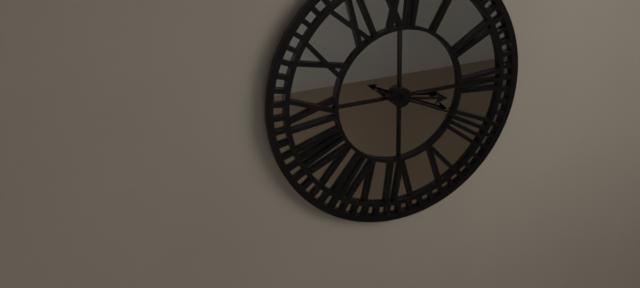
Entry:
3,19
